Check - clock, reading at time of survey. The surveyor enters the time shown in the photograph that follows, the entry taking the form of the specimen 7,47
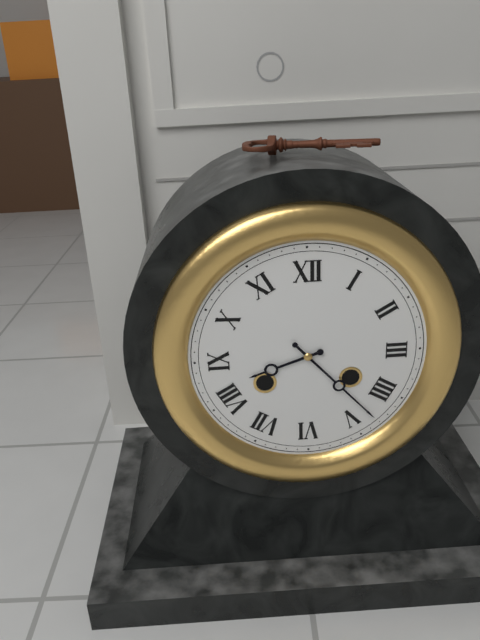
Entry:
8,23
